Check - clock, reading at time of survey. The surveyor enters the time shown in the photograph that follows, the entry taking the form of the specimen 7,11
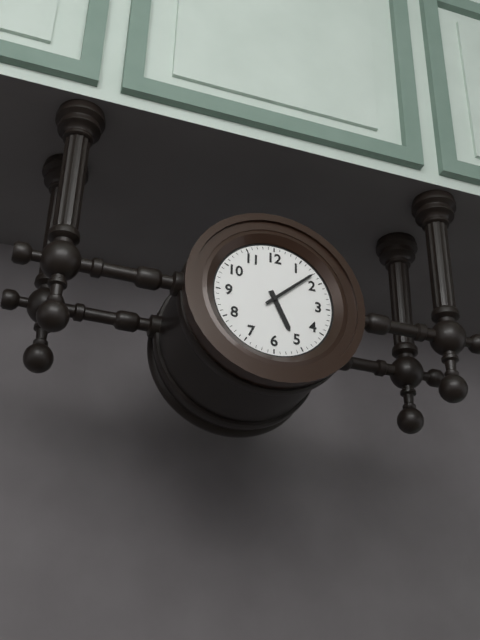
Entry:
5,08
